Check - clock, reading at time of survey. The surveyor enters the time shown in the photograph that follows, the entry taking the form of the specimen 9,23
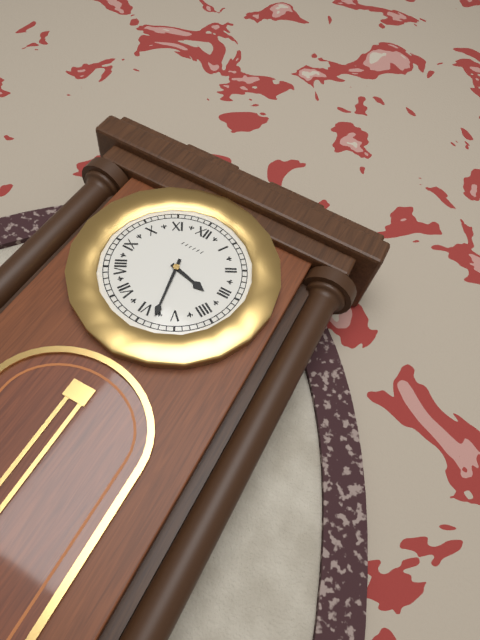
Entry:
3,28
